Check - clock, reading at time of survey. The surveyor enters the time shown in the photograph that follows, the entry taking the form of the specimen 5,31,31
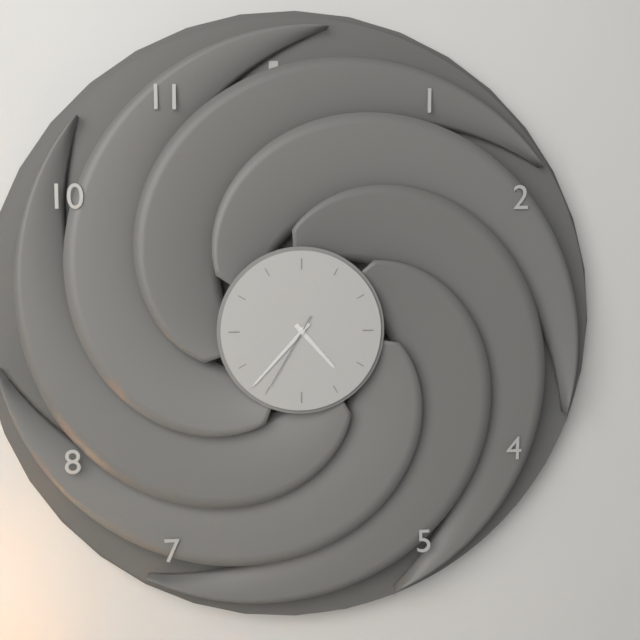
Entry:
4,37,35
